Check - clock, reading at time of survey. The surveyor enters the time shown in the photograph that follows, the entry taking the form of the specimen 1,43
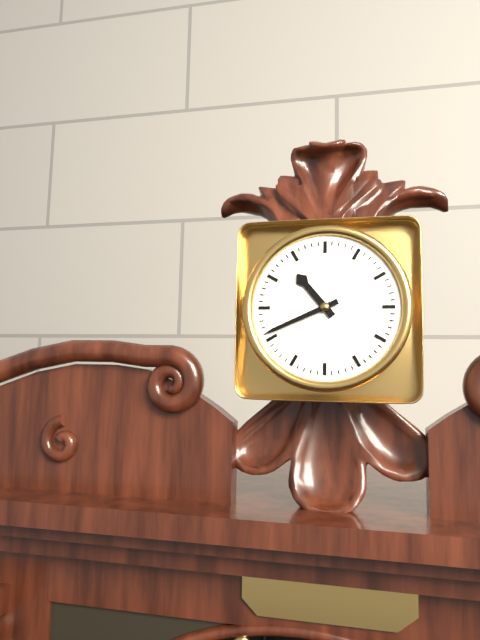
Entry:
10,41
